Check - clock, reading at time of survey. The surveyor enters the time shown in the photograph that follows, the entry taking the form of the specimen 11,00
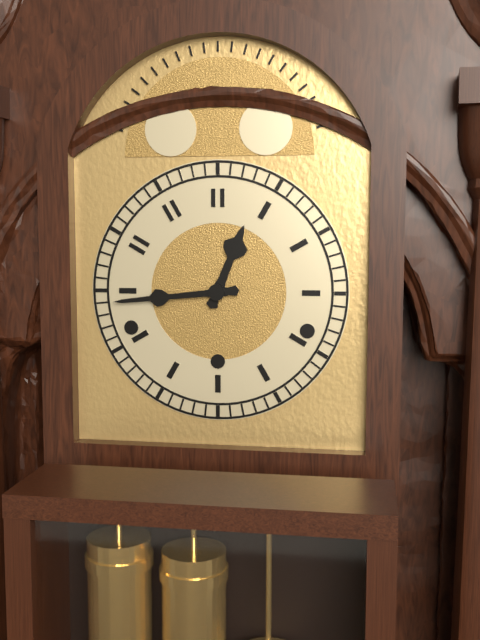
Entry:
12,44
